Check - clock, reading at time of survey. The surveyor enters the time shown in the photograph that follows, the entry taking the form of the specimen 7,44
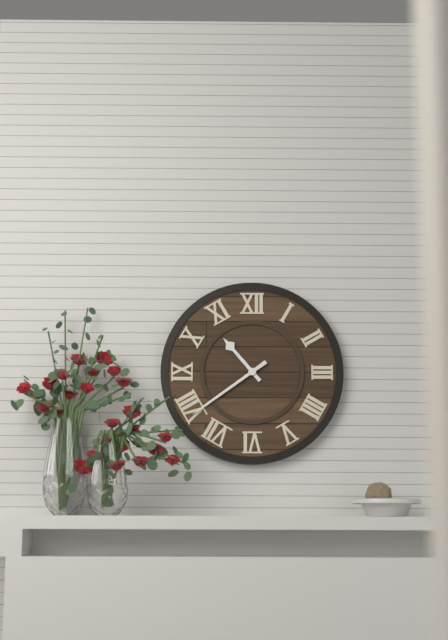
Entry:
10,39
